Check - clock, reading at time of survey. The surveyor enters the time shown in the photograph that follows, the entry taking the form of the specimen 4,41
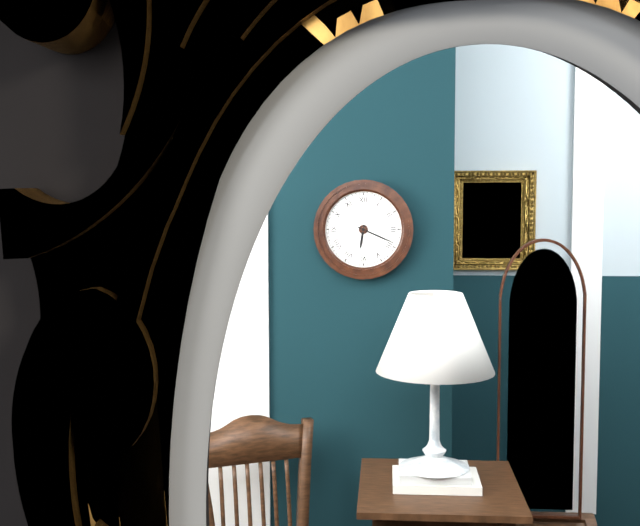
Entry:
6,19
